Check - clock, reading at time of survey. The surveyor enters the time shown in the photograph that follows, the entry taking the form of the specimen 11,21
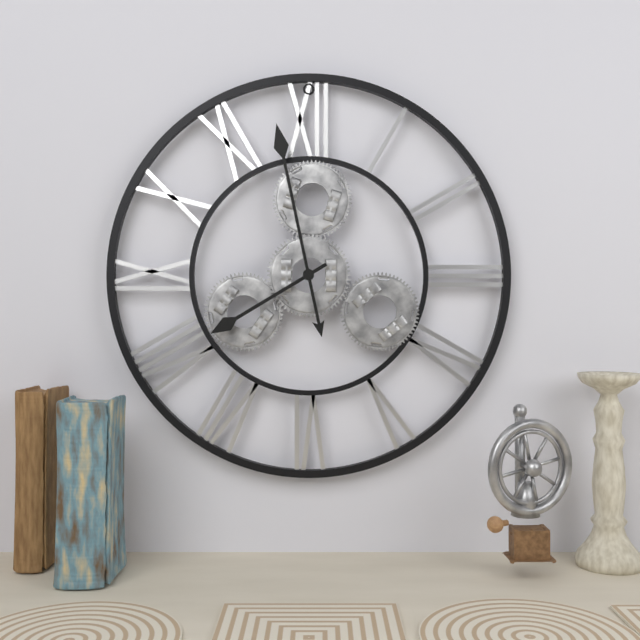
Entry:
7,58
